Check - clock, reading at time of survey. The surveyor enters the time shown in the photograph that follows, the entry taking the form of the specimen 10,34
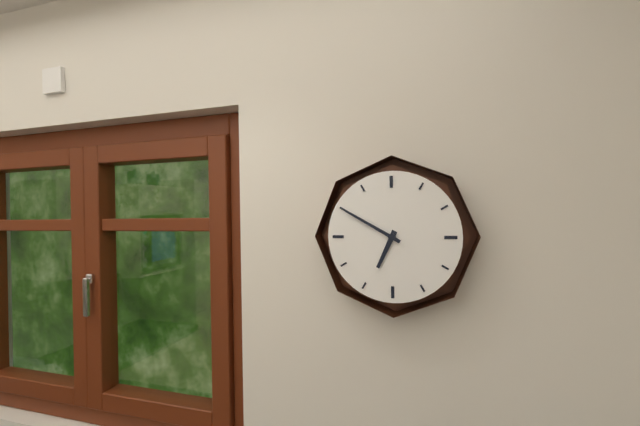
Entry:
6,50
